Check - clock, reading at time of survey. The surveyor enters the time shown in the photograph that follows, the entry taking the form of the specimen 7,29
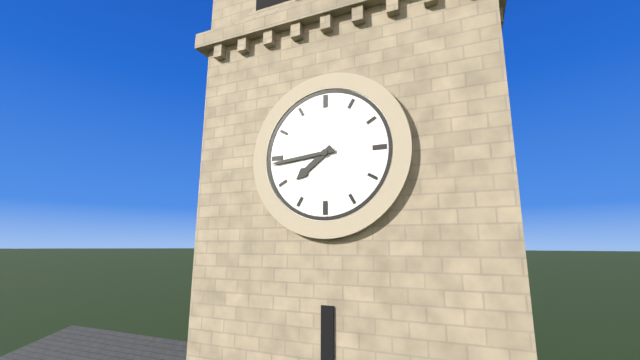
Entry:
7,44
